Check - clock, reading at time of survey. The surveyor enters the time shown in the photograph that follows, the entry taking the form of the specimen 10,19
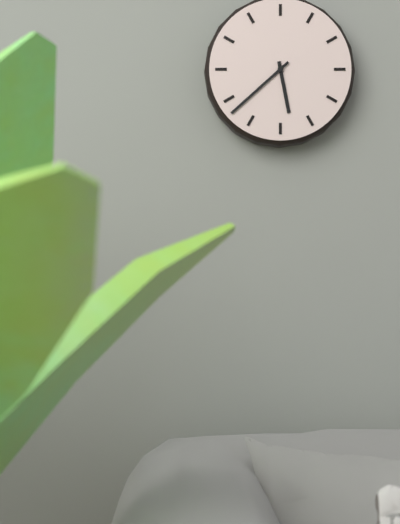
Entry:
5,38
